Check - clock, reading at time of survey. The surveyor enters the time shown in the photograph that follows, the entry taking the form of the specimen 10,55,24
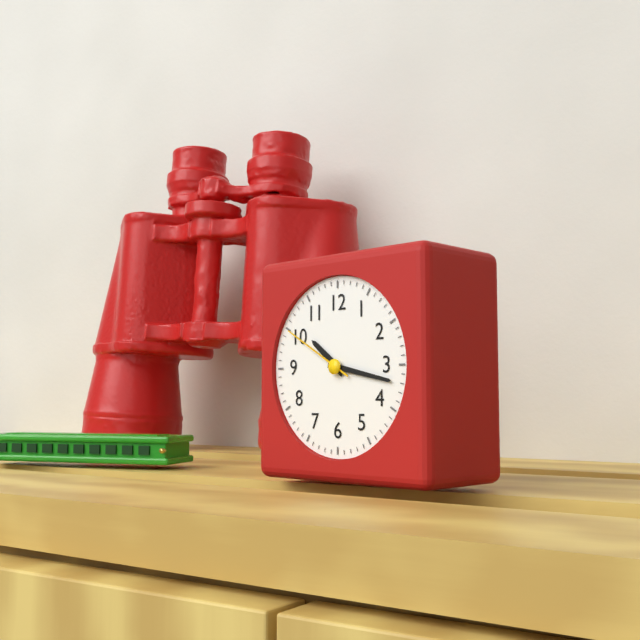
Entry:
10,17,50
